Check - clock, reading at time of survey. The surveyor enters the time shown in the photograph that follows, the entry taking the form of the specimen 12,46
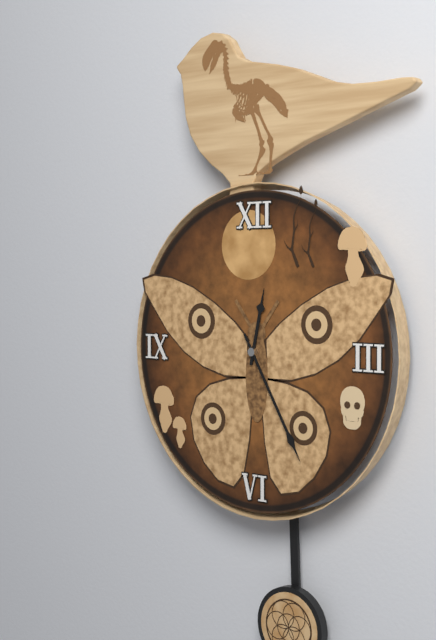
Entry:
12,25
